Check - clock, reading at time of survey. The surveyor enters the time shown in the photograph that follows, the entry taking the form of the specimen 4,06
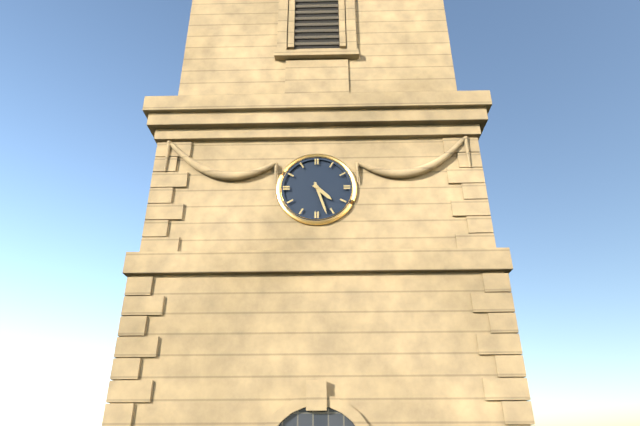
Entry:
4,27
